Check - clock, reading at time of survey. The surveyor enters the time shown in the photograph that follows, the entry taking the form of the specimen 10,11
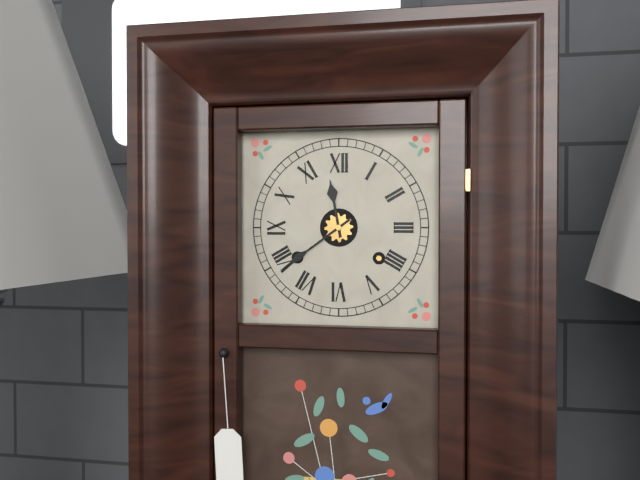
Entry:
11,39
